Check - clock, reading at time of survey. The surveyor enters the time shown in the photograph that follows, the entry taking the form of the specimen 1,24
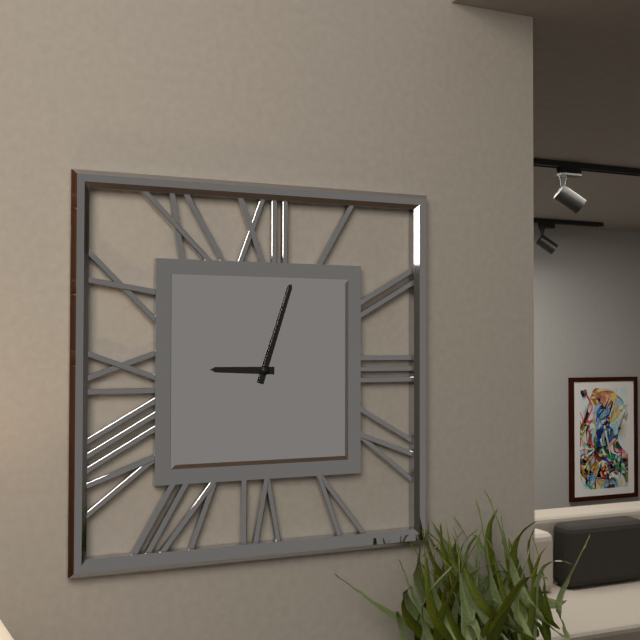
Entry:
9,03
